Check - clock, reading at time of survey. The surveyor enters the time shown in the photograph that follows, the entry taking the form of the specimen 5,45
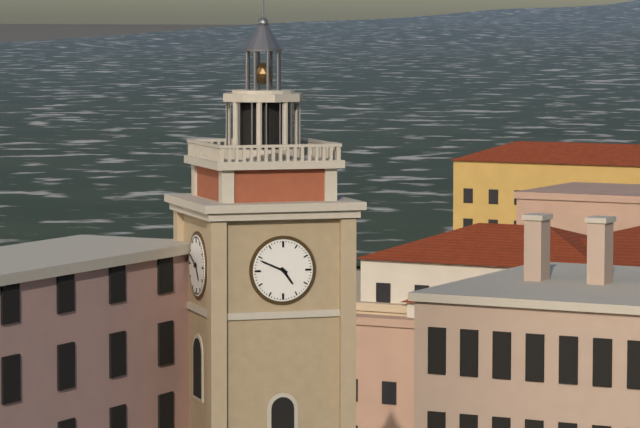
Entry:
4,49
